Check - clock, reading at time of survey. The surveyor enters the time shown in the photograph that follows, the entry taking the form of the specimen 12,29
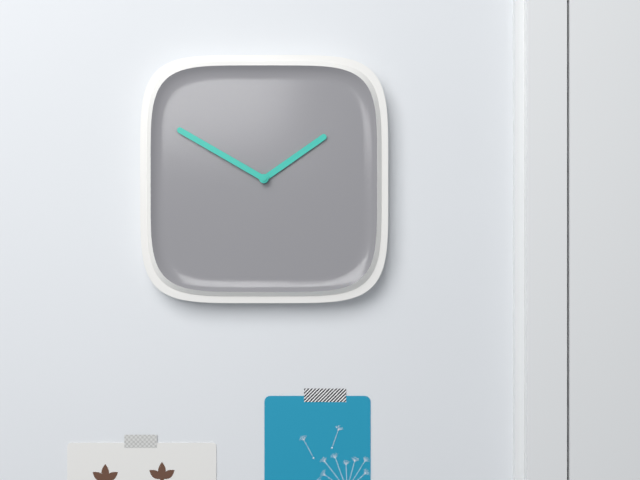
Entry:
1,50
